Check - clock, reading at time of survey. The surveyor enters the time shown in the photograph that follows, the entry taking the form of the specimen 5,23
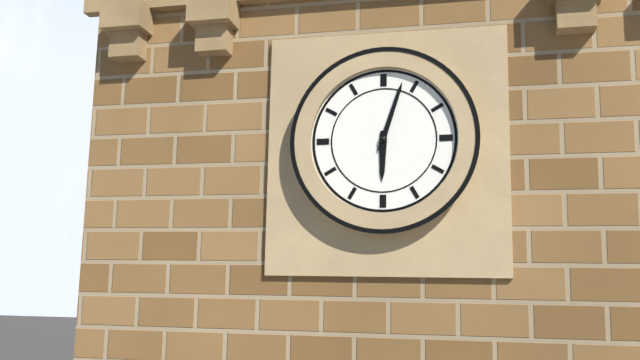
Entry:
6,03
